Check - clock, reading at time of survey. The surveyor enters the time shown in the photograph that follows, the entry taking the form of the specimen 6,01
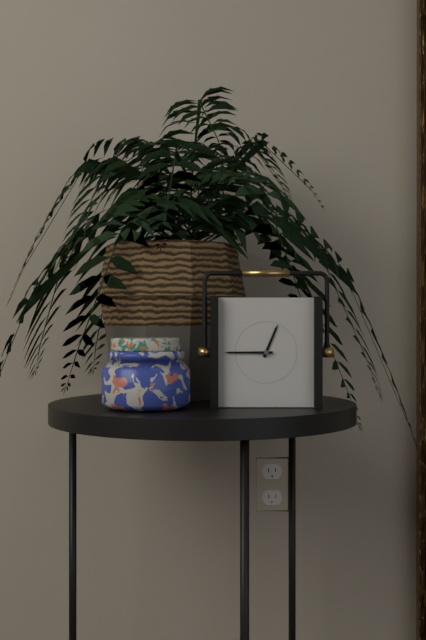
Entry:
12,45
